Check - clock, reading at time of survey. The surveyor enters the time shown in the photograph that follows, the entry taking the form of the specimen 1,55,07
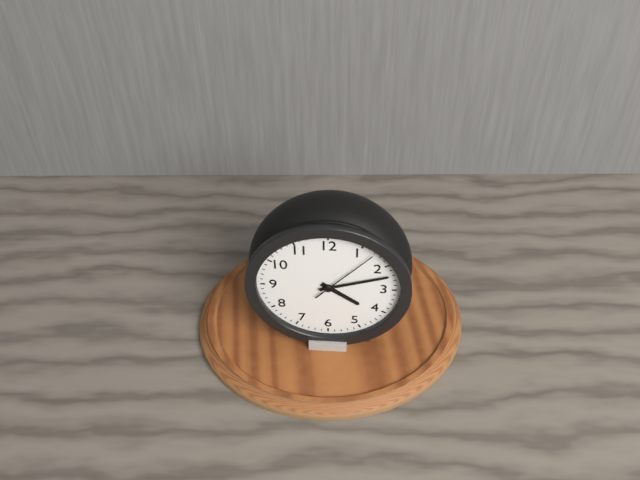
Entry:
4,12,07
